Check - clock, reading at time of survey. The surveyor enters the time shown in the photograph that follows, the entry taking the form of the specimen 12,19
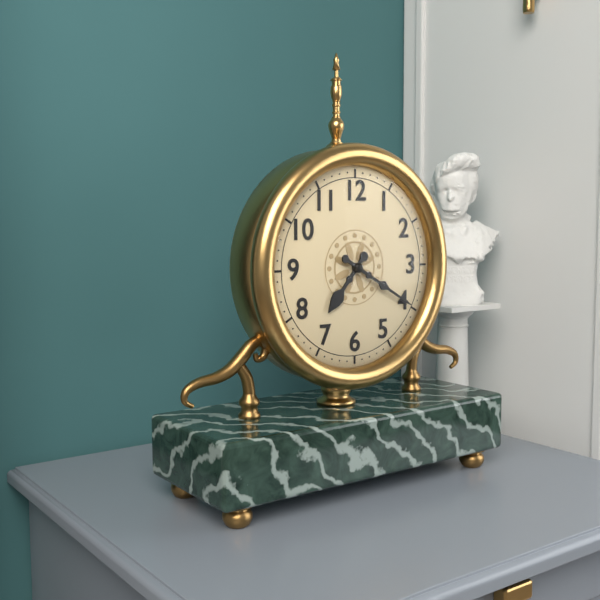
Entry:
7,20
